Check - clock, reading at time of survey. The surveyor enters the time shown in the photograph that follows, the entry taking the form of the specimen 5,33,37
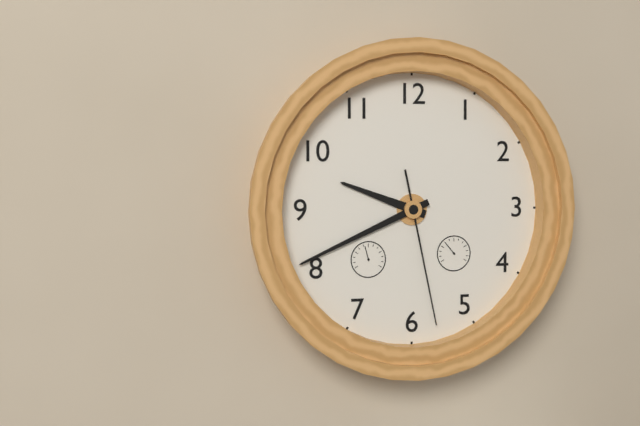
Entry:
9,41,28
